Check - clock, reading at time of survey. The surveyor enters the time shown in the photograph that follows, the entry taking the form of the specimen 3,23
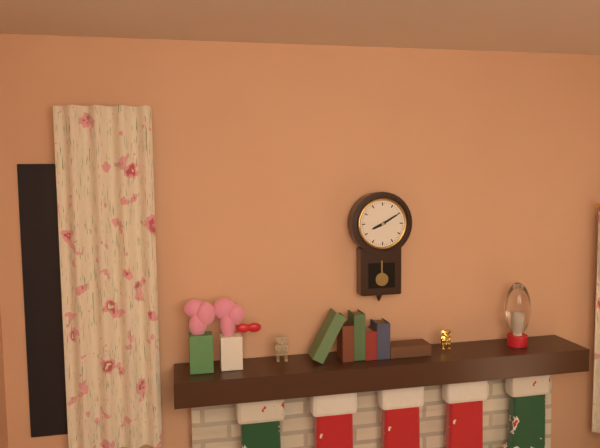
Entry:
8,10
